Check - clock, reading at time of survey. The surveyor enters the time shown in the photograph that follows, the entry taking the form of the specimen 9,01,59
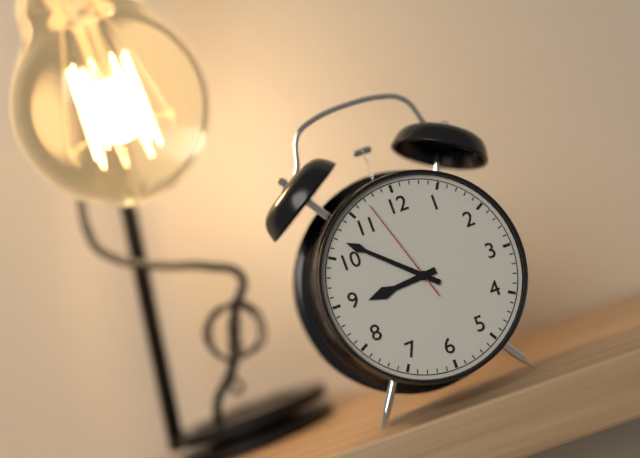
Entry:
8,52,57
